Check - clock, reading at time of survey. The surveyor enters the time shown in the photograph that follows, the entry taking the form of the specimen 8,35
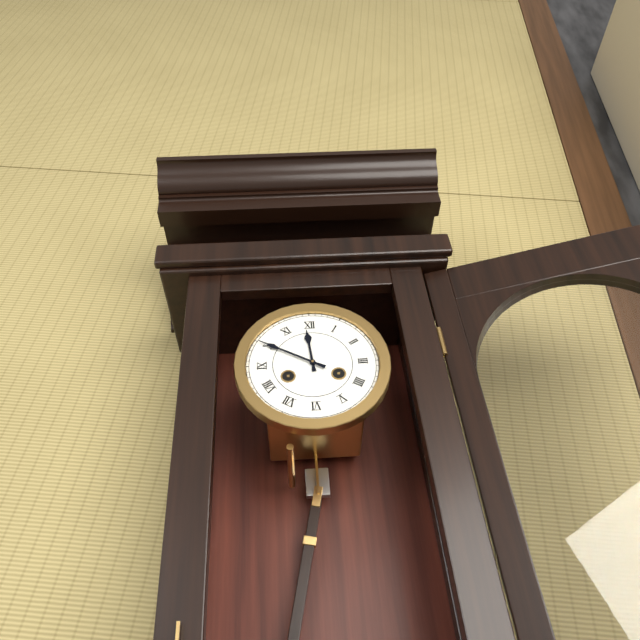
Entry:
11,50
